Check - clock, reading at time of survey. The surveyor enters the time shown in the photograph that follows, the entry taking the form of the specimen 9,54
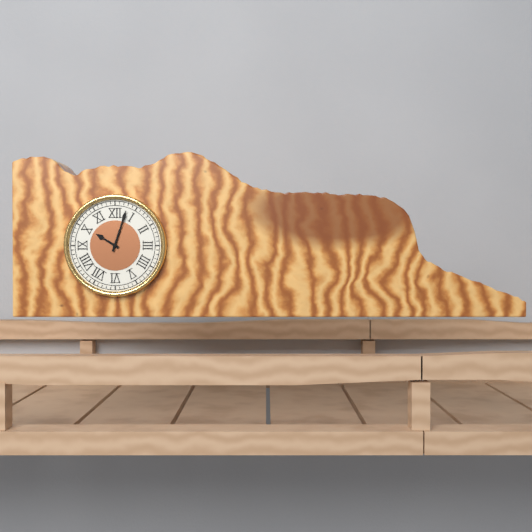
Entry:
10,03
